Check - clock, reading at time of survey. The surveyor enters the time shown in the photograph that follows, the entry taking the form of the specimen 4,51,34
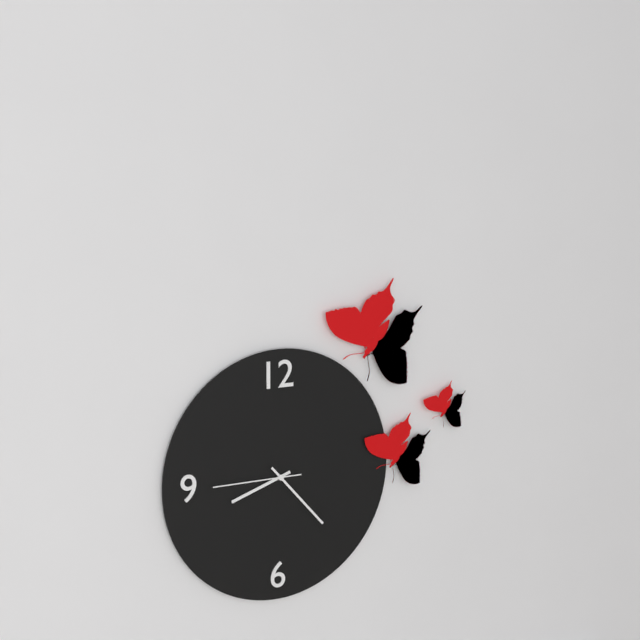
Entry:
8,23,45
